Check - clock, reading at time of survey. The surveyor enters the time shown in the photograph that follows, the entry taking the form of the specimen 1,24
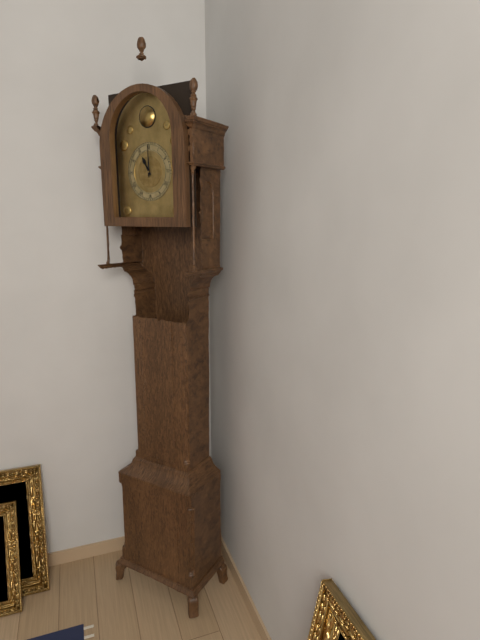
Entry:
11,00
